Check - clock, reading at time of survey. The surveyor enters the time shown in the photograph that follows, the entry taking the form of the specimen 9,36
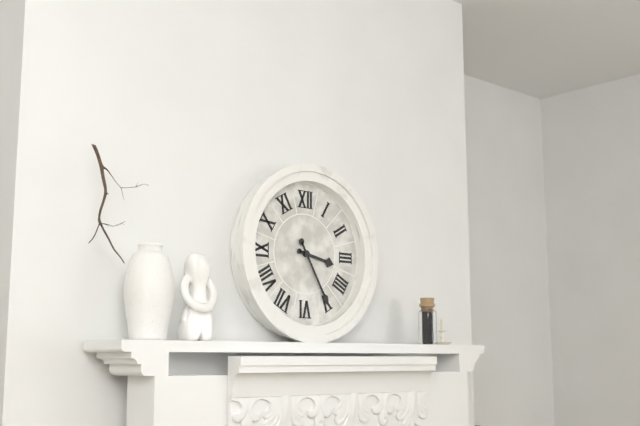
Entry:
3,25
